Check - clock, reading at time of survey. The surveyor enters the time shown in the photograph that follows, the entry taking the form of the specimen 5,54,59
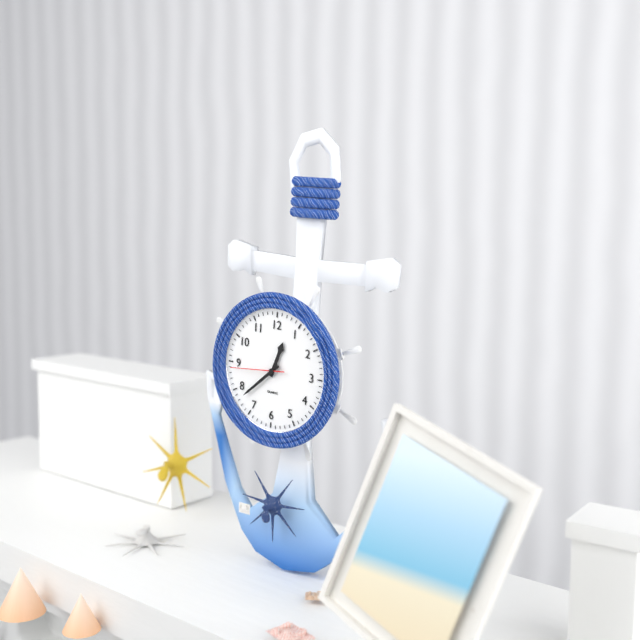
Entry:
12,38,44
